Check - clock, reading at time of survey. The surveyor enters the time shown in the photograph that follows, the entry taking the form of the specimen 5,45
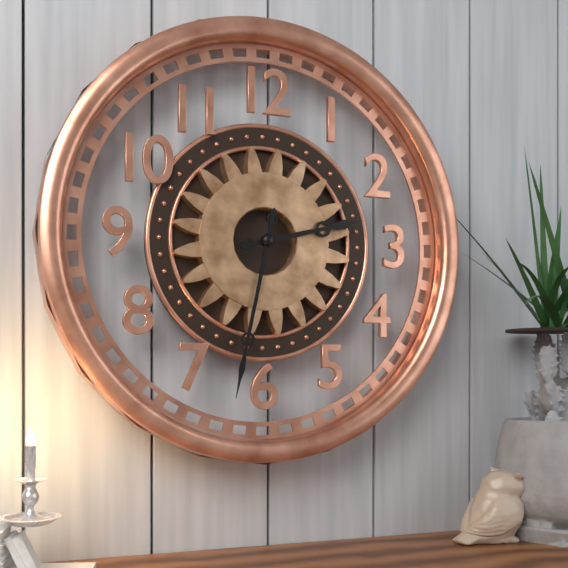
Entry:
2,32
